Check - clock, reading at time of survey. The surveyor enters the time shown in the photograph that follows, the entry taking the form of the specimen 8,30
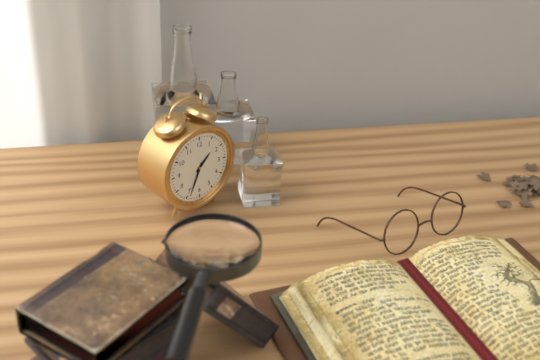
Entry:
1,34
